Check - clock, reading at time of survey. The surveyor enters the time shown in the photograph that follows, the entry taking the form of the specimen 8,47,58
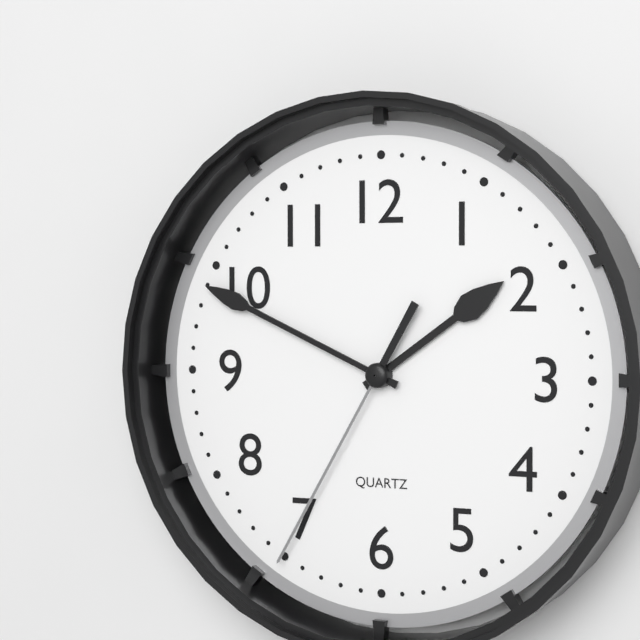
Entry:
1,49,35
